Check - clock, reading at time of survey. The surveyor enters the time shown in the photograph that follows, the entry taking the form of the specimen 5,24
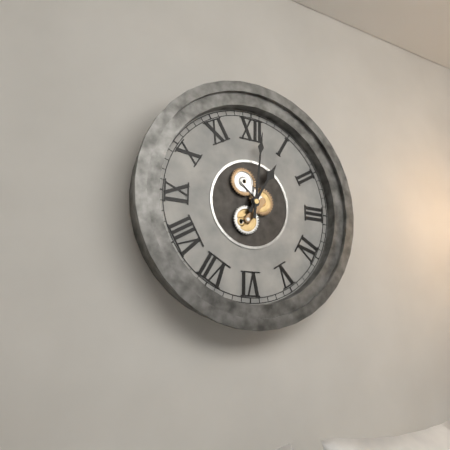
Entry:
1,01
